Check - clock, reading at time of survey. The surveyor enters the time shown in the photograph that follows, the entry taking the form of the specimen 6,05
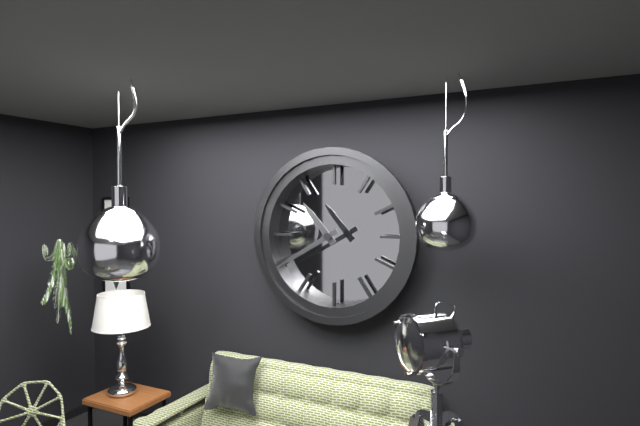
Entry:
10,40
